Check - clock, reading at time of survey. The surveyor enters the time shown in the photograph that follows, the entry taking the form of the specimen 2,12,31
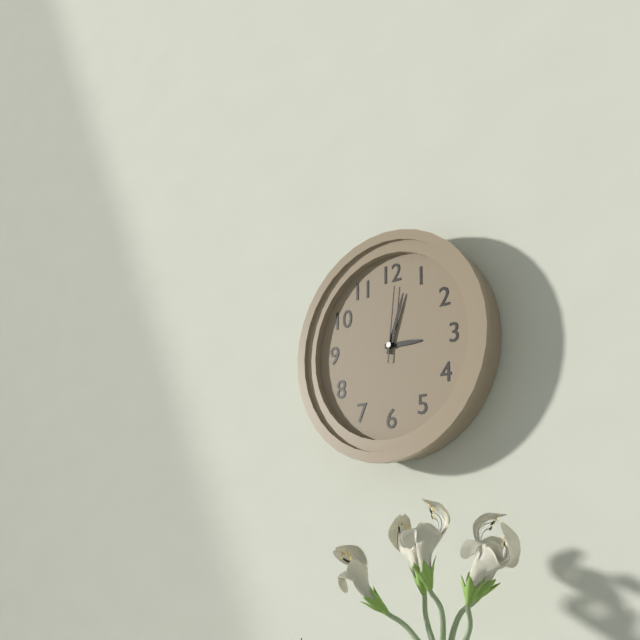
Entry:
3,03,01
